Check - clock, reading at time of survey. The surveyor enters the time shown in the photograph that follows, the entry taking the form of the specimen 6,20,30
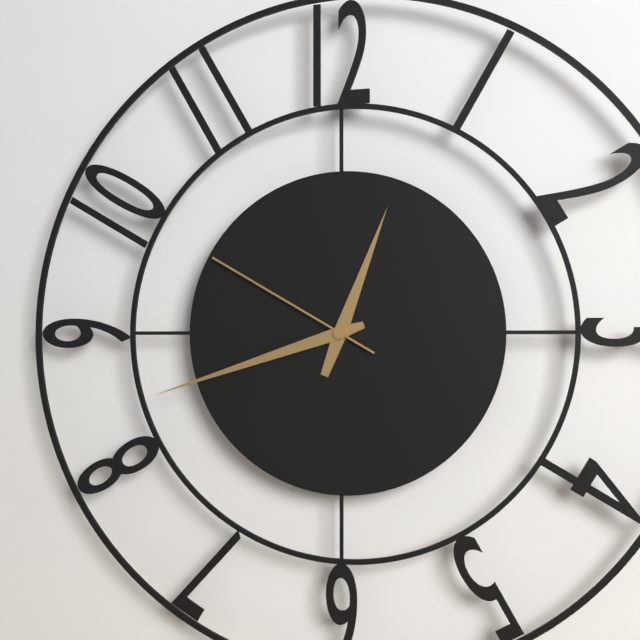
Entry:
12,42,50
